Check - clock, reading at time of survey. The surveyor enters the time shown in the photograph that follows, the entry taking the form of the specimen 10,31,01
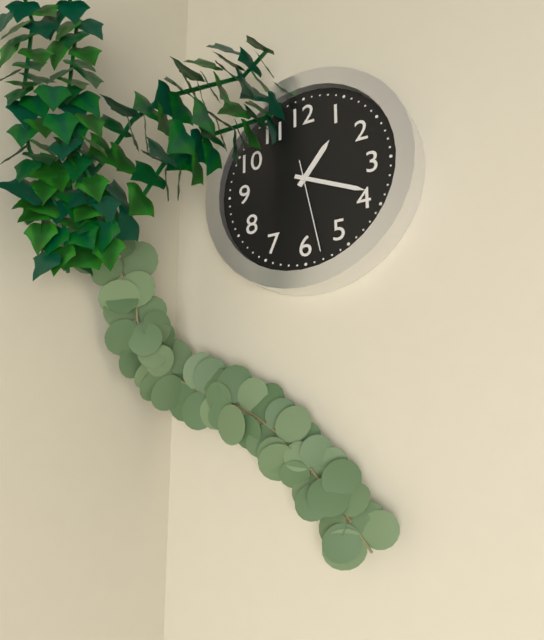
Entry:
1,19,28
